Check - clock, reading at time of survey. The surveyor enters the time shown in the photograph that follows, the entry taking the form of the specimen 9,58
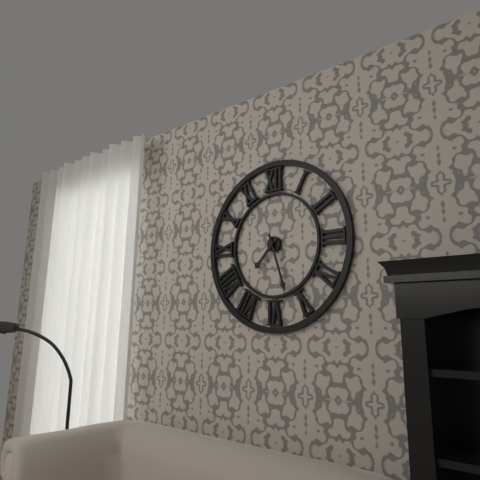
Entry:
7,27
